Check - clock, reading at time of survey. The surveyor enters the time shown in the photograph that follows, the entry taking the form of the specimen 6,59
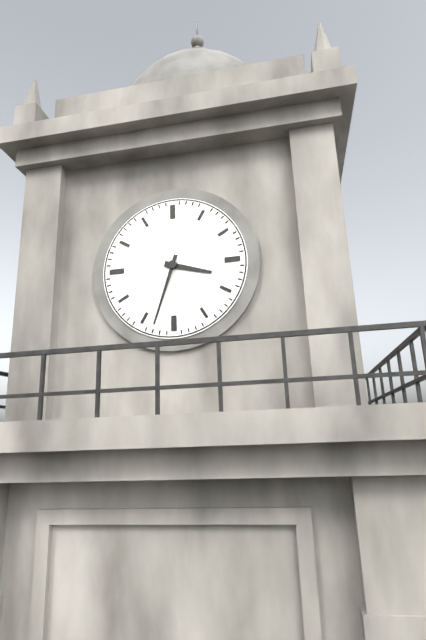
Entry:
3,33
